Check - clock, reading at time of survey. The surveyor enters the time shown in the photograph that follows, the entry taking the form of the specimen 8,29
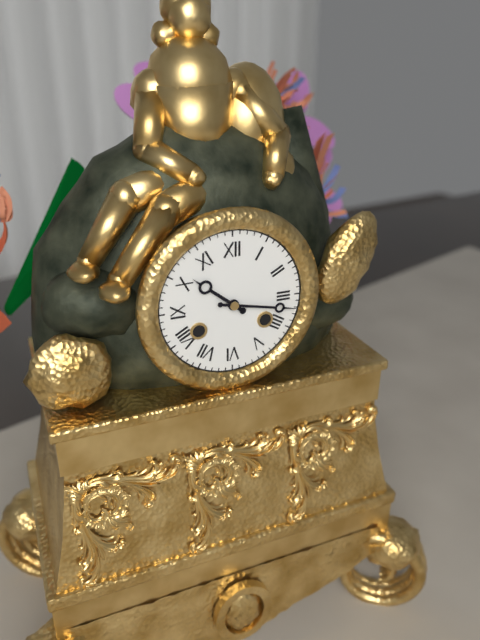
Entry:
10,17
